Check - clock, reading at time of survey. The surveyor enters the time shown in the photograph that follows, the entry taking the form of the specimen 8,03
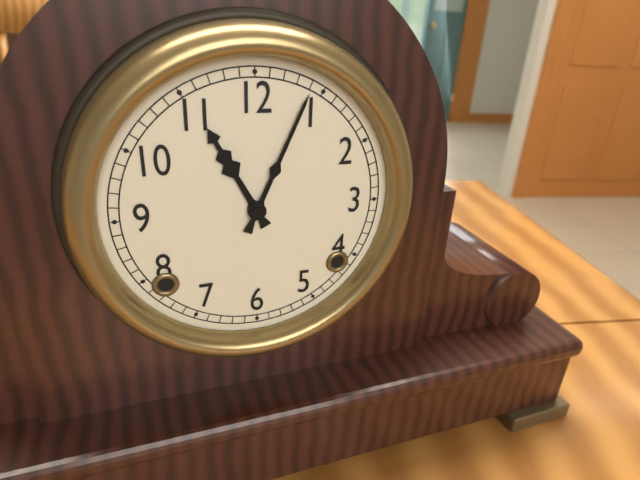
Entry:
11,04
